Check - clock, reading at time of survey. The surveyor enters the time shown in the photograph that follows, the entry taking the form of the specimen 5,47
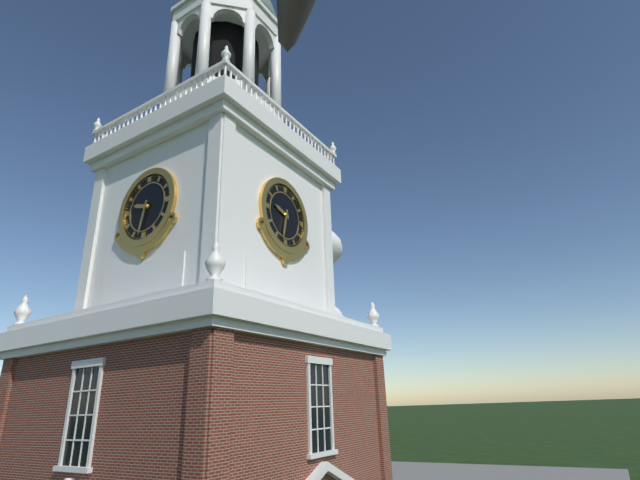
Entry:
9,32
